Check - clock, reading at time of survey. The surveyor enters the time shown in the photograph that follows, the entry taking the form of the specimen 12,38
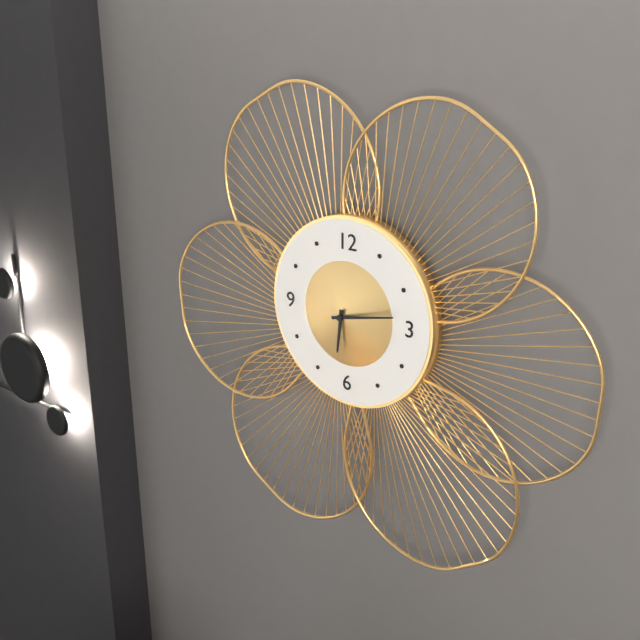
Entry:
6,13
